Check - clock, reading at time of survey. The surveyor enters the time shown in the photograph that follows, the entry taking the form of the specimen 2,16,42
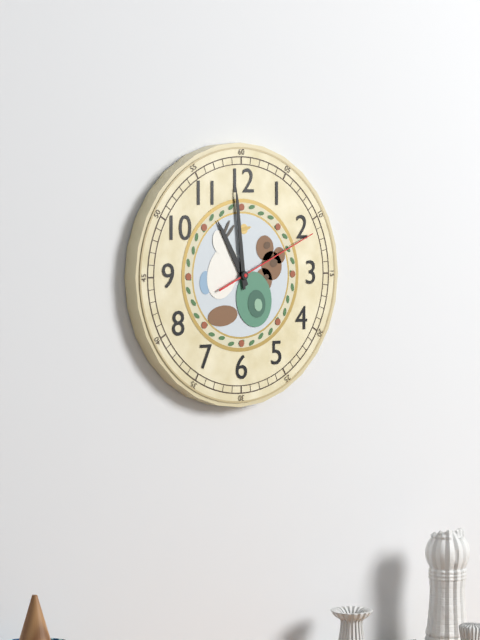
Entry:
10,59,11
